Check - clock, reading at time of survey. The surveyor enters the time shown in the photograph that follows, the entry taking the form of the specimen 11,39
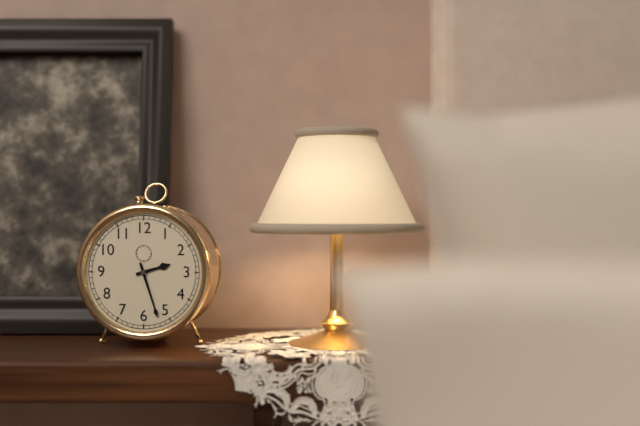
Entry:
2,27
